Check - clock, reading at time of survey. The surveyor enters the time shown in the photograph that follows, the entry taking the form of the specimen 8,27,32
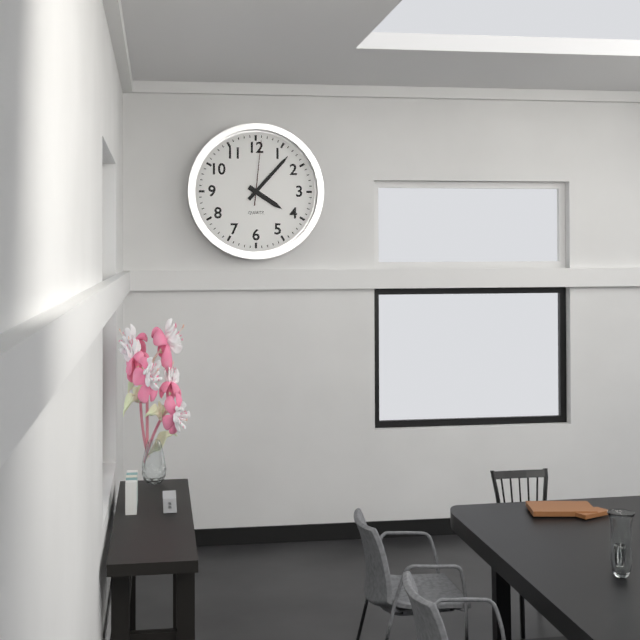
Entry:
4,07,01
